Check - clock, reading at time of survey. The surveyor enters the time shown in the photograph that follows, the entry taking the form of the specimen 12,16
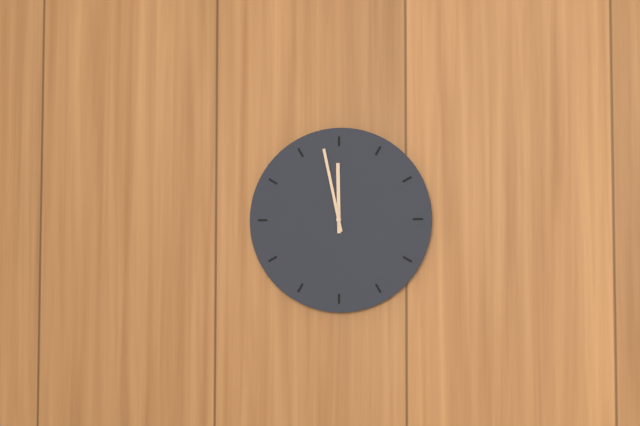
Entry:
11,58
